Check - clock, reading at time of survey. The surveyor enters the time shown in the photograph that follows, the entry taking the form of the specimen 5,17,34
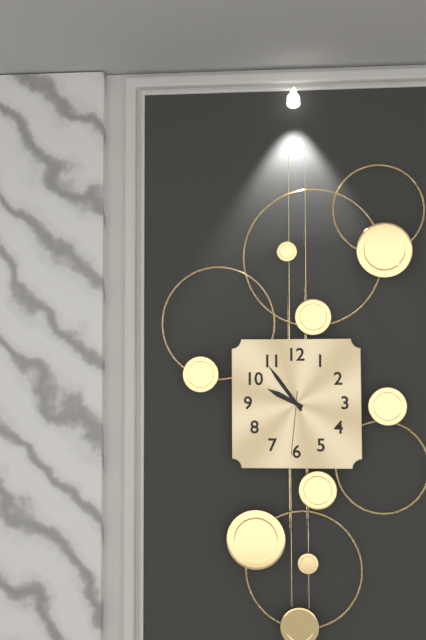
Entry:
9,54,31
